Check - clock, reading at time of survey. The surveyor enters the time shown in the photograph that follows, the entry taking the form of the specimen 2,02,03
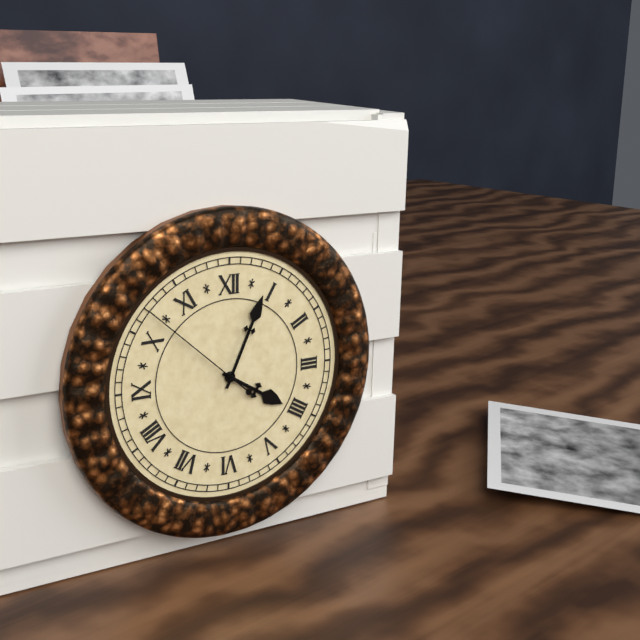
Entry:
4,04,52
